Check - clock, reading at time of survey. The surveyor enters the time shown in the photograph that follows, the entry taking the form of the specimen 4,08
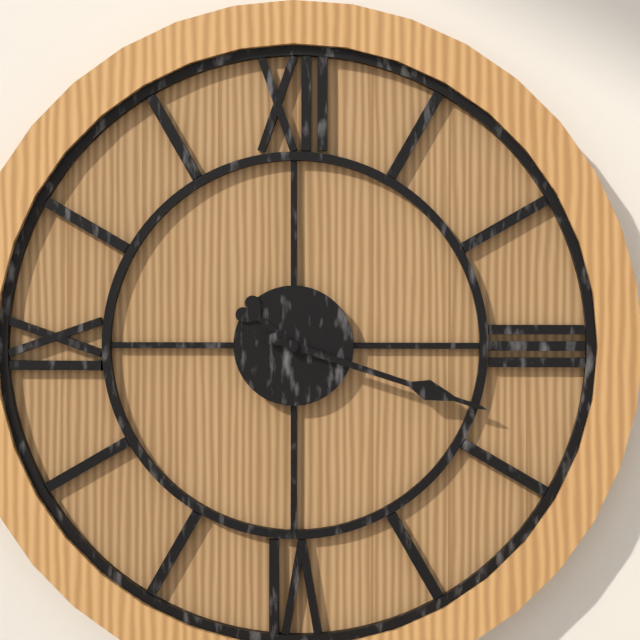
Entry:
10,18
